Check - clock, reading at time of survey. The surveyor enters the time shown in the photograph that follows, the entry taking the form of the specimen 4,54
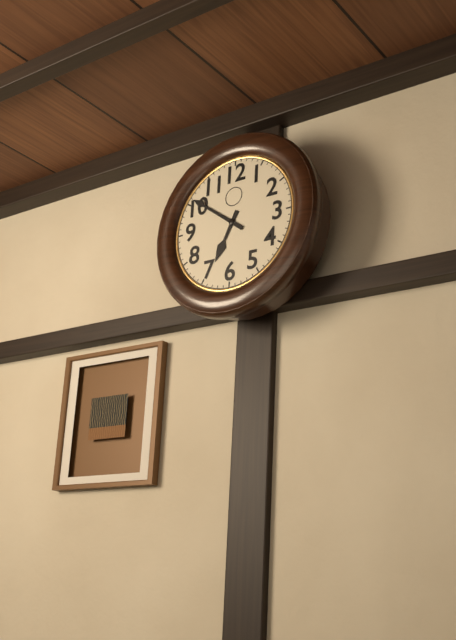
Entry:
6,51
